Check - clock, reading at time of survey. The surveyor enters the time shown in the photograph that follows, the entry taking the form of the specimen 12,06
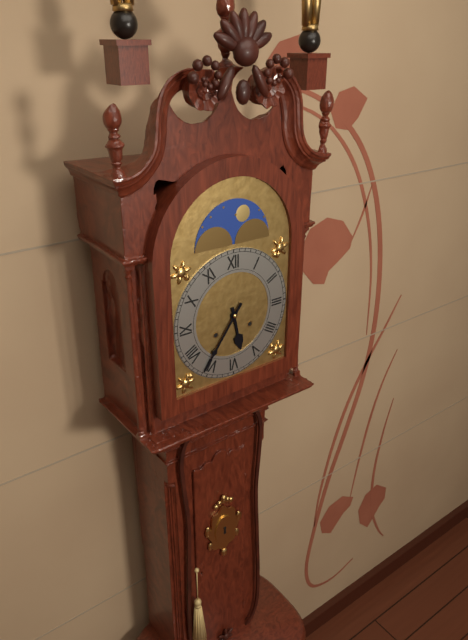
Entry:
5,36
